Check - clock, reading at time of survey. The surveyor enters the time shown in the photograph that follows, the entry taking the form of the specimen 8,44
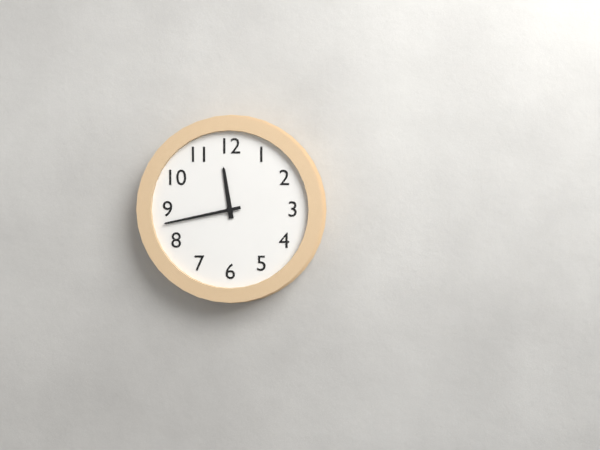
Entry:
11,43
